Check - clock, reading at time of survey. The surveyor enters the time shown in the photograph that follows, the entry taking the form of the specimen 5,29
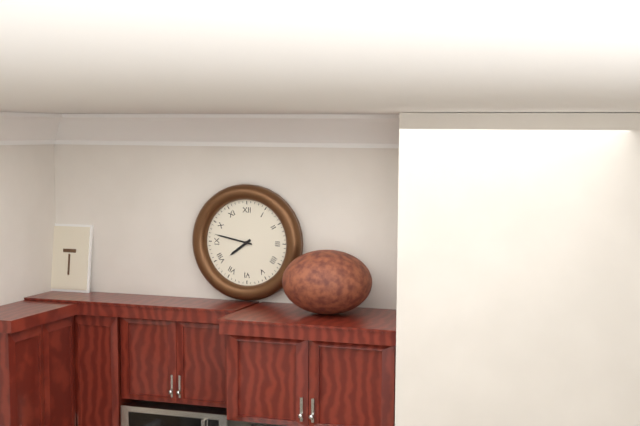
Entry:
7,47
